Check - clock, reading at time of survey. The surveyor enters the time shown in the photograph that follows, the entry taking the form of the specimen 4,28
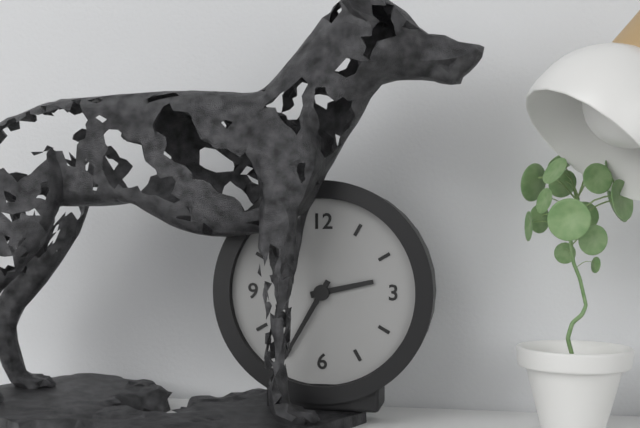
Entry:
2,35
